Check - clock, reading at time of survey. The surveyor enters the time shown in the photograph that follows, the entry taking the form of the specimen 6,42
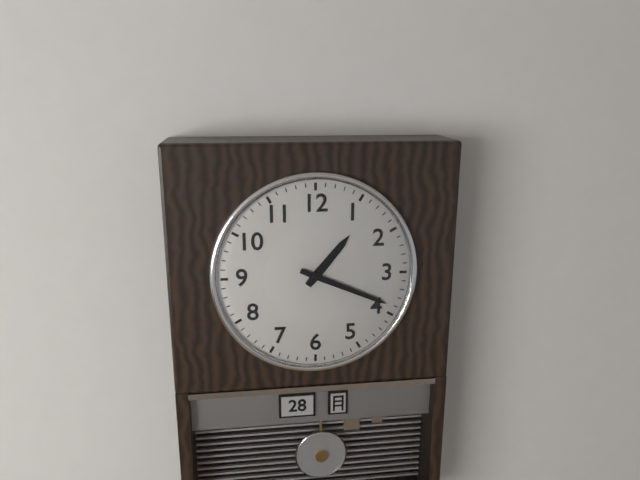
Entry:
1,19
